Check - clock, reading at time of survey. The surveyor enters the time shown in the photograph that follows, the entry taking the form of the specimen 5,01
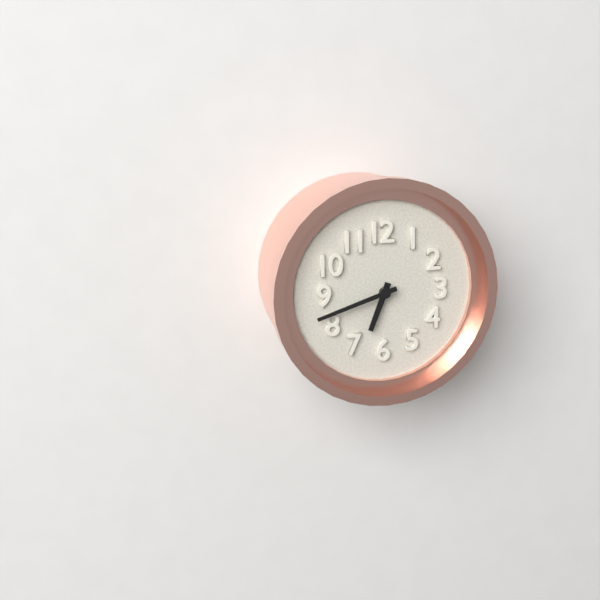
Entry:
6,42
